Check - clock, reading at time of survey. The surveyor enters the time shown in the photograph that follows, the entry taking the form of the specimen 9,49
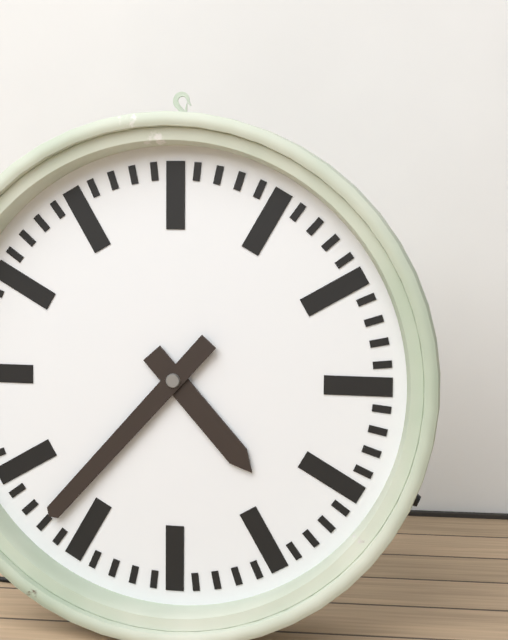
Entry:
4,37
